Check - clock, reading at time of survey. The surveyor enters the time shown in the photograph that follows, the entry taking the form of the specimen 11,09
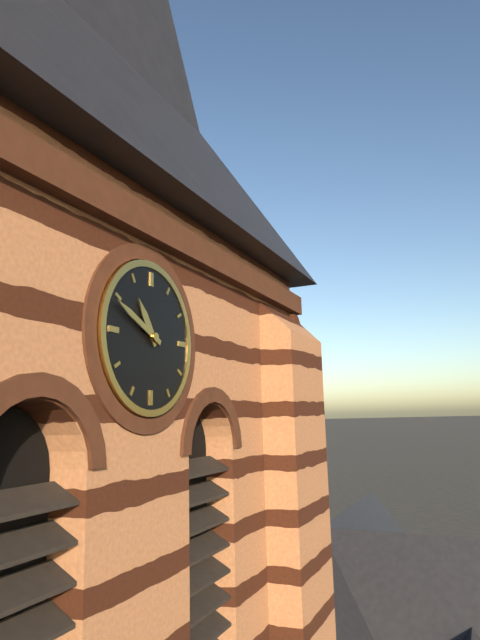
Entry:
10,49
